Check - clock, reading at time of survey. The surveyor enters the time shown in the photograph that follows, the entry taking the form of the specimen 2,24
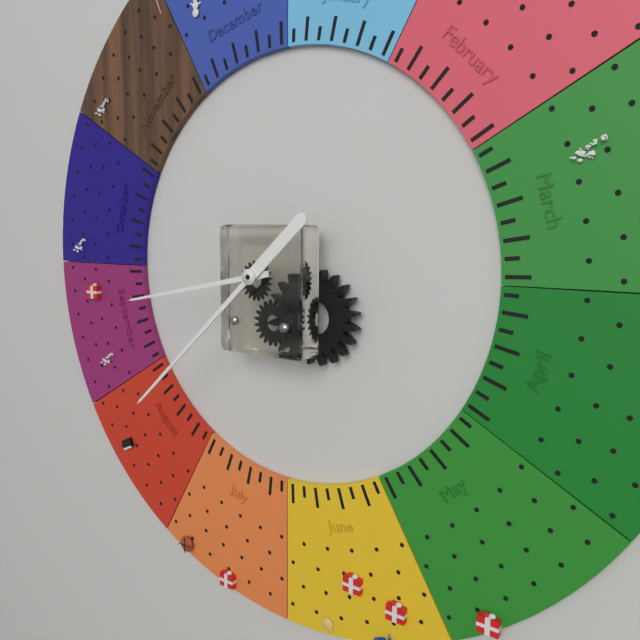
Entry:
8,38
